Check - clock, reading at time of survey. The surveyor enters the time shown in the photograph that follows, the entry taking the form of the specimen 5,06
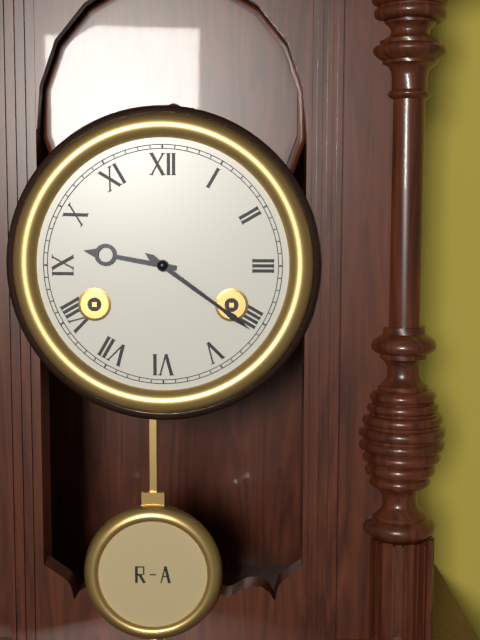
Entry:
9,21
